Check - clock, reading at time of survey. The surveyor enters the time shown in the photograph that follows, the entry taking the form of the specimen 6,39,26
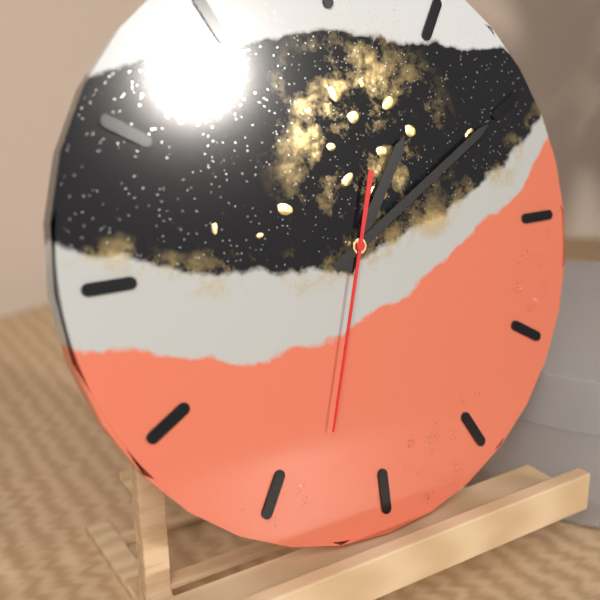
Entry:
1,10,33
